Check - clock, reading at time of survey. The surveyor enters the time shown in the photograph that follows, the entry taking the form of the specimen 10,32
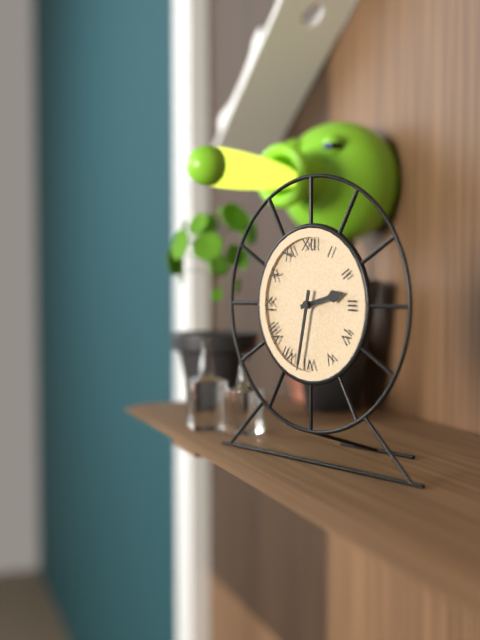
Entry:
2,32
